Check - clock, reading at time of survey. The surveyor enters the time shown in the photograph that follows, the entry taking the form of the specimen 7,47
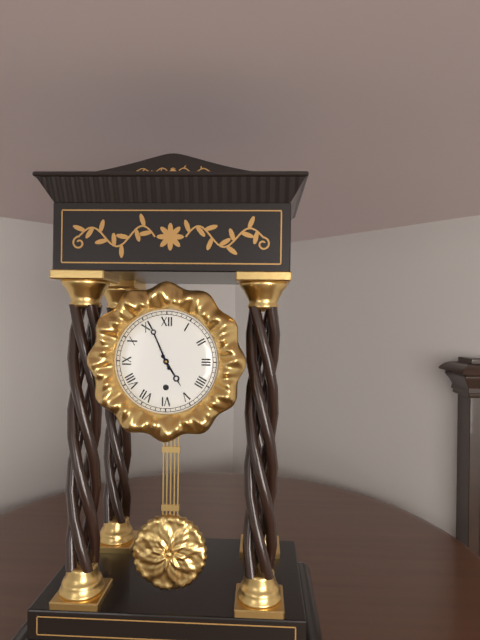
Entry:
4,56
